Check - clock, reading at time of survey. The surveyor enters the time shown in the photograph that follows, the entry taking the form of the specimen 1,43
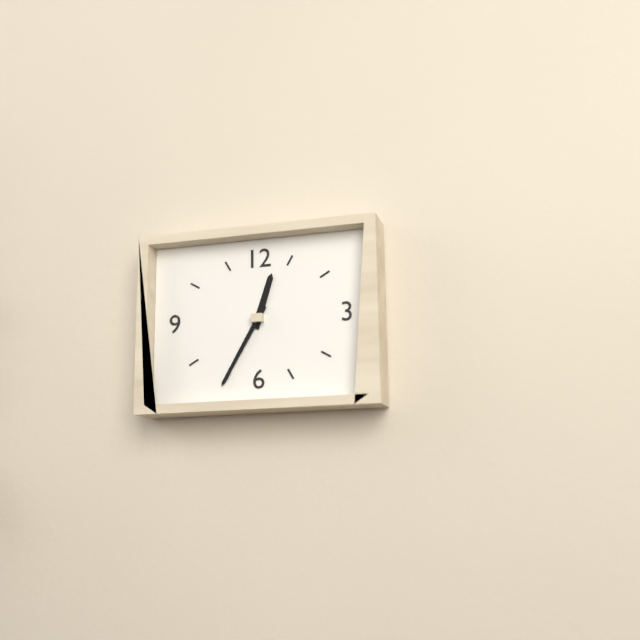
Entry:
12,35
